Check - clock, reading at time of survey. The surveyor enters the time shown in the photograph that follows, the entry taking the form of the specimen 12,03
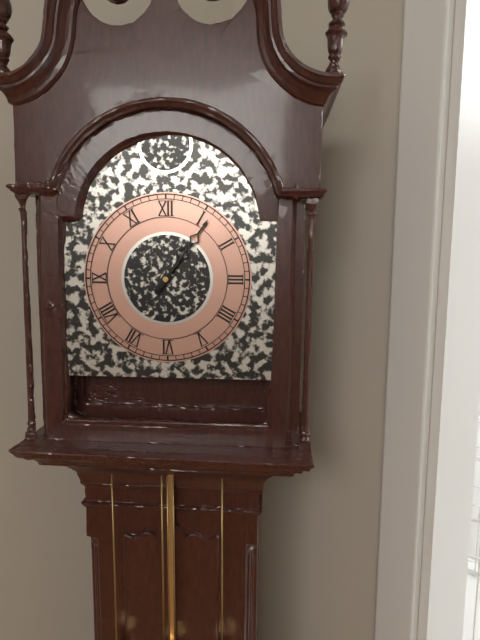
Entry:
1,06
